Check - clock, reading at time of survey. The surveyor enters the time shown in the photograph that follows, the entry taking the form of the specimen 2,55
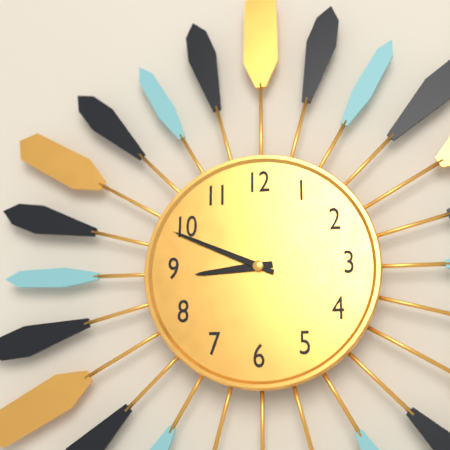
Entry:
8,49
